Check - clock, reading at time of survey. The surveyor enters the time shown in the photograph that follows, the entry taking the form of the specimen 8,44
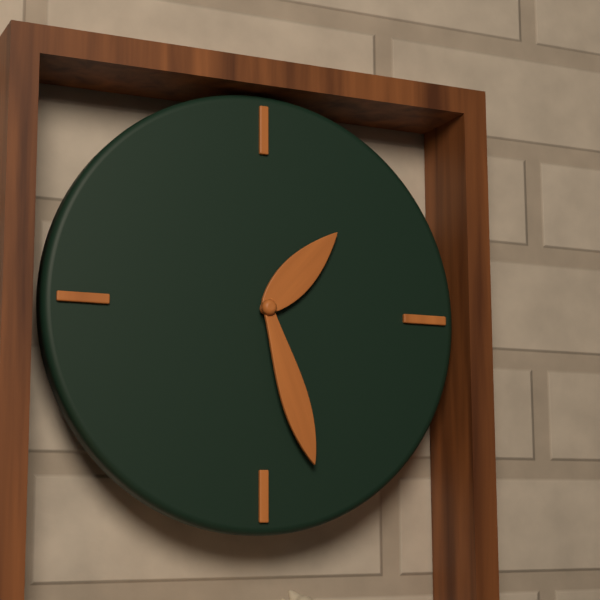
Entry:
1,27
